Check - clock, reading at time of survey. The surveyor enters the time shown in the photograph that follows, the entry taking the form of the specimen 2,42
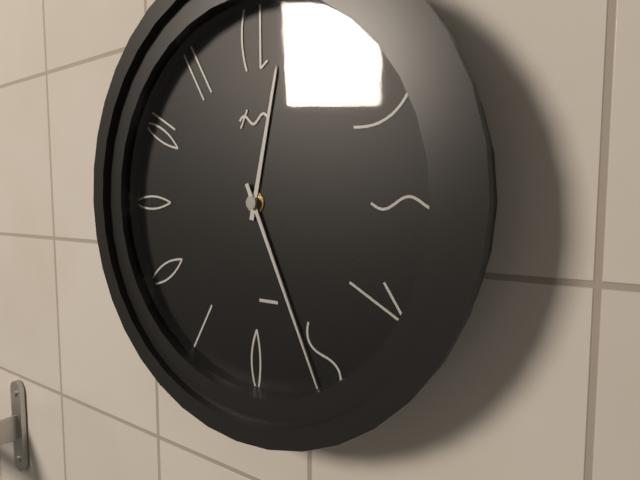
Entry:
12,26
